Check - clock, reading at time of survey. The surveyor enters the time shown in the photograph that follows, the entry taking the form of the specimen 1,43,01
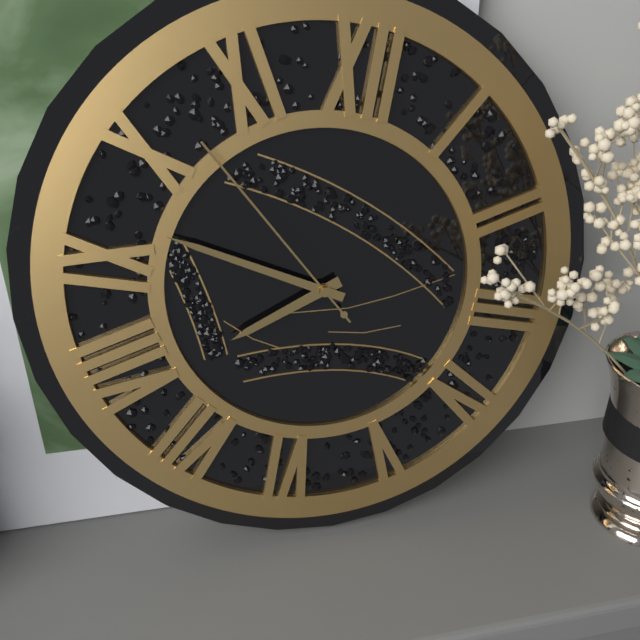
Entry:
7,47,52
